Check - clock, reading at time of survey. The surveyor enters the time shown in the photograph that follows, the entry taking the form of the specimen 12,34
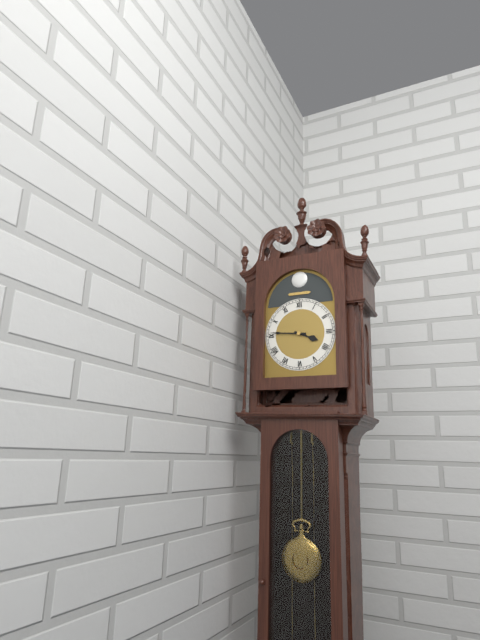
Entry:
3,46
